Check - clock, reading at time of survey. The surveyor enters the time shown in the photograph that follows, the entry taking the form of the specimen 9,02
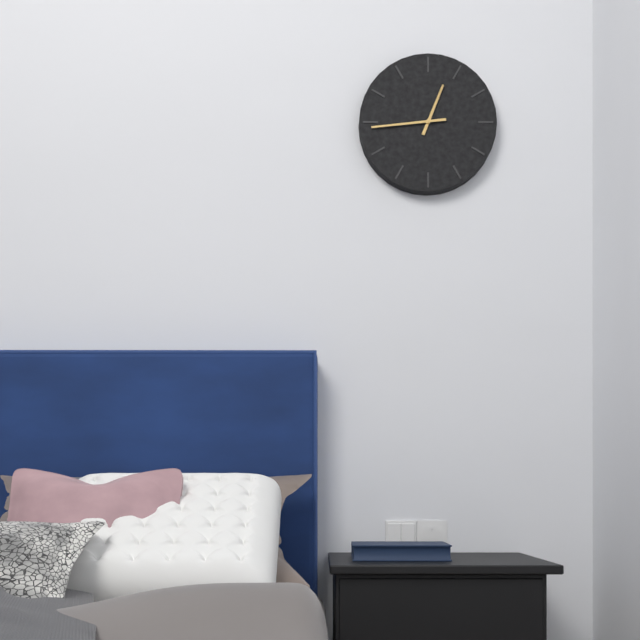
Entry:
12,44
